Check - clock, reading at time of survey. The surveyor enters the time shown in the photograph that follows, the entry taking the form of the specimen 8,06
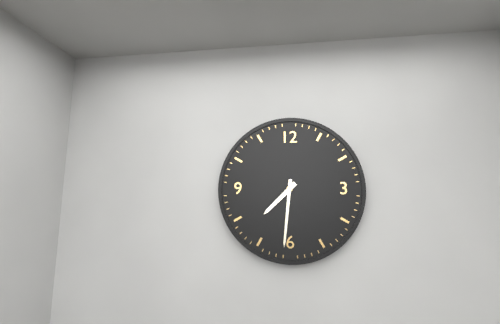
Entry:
7,31
